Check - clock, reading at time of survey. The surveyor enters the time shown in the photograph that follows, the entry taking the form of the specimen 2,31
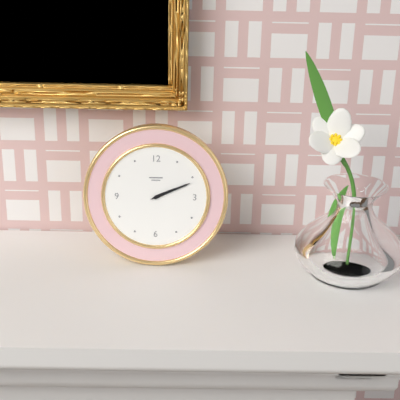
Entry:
2,11
